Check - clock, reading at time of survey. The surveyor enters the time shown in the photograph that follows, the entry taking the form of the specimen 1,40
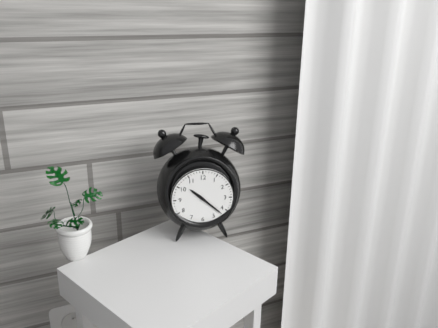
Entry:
10,22
